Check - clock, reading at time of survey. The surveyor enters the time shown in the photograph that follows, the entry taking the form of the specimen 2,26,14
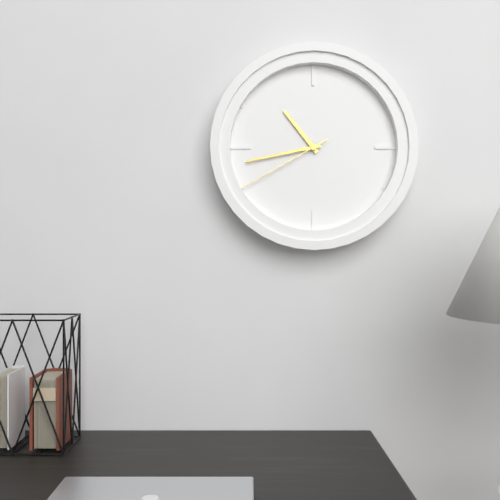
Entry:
10,43,40
